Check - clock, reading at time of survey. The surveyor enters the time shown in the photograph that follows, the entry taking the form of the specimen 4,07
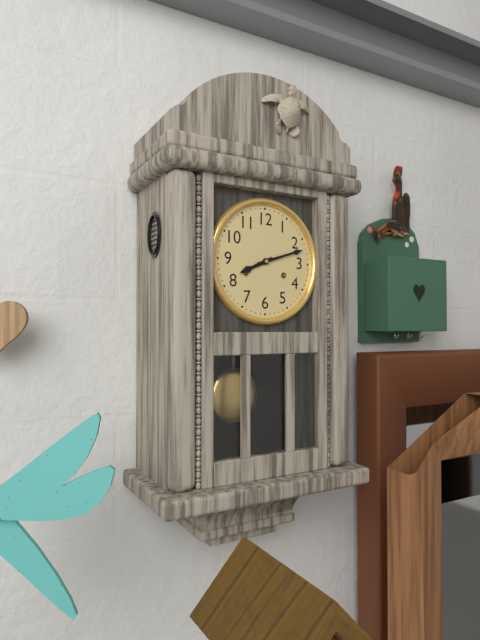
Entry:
8,12
